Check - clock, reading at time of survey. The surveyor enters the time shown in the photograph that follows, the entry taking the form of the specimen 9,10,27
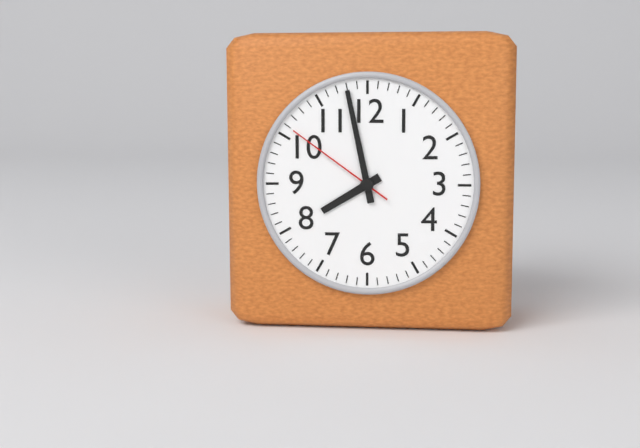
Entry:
7,58,51
